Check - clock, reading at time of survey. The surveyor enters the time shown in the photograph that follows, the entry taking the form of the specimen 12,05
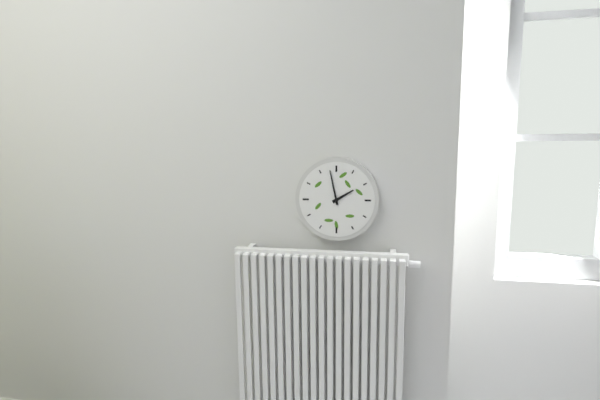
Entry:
1,58
